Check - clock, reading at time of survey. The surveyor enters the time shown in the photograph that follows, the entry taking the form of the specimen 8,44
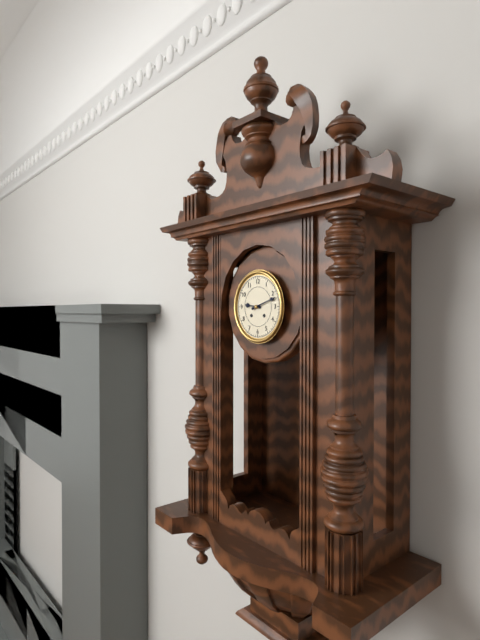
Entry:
9,12
